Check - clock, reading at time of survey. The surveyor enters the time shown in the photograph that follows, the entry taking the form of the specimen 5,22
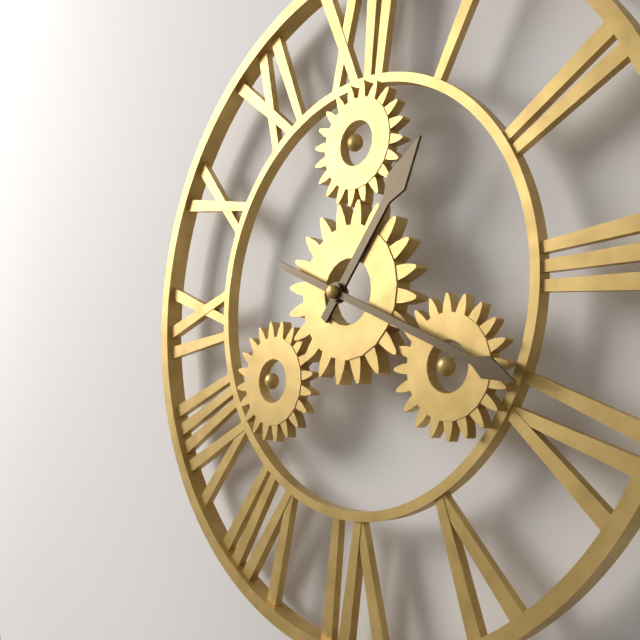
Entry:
1,19
